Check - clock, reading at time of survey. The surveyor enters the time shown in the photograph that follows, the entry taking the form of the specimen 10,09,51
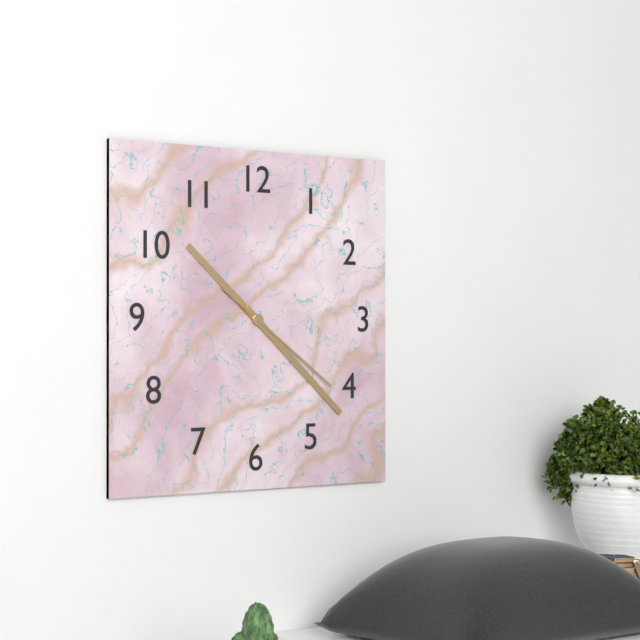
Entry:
10,22,21
